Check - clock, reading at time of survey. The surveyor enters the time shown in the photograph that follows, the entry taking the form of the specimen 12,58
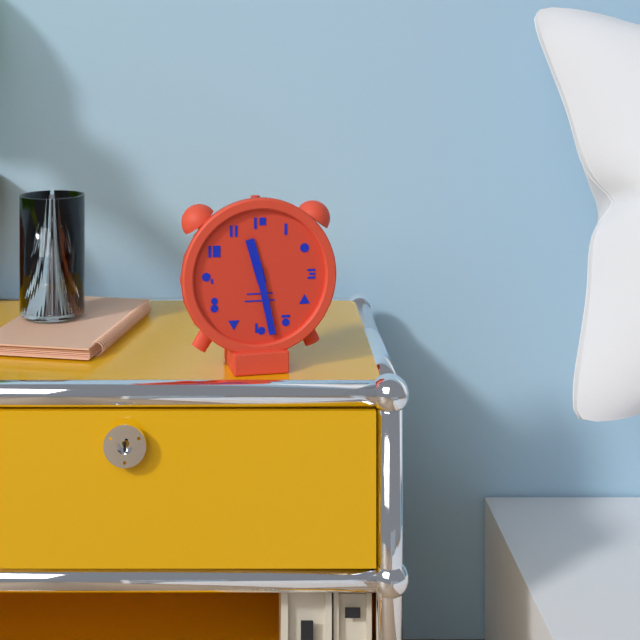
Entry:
11,28
